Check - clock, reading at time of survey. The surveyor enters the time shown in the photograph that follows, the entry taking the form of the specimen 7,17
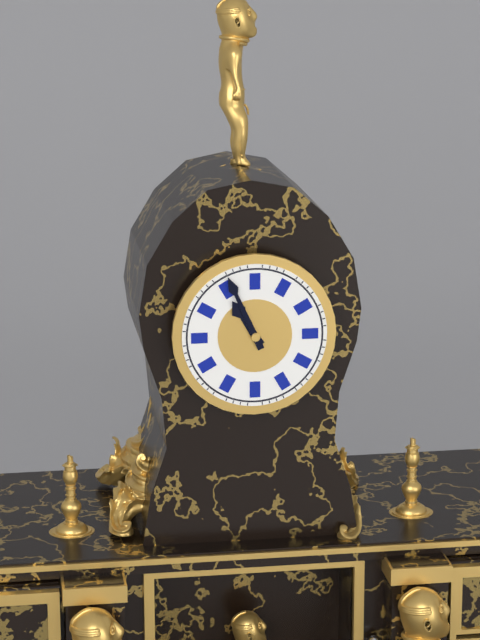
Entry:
10,56
